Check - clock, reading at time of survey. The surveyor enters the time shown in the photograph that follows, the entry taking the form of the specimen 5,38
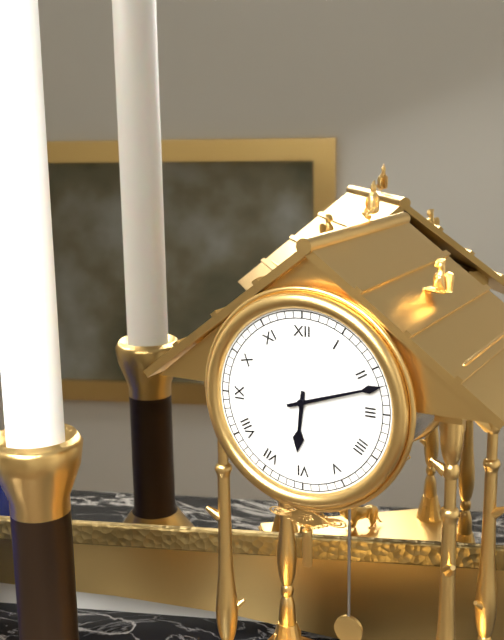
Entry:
6,12
